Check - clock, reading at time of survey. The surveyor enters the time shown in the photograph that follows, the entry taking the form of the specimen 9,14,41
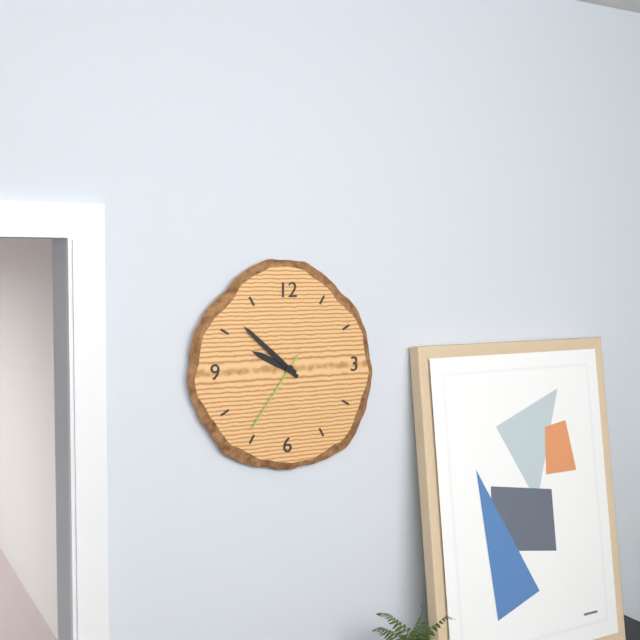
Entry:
9,52,36
